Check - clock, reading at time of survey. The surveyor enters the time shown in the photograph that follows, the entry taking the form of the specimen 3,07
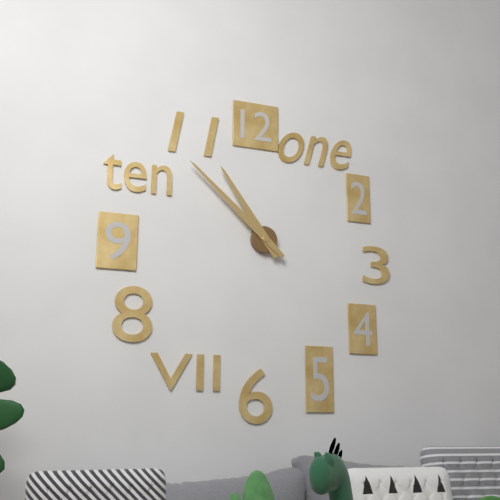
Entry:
10,52
